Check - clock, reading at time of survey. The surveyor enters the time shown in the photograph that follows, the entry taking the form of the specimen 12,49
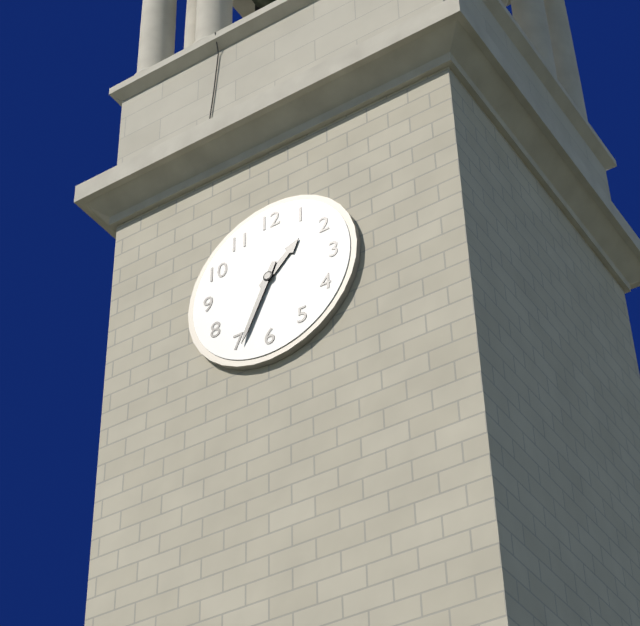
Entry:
1,34
